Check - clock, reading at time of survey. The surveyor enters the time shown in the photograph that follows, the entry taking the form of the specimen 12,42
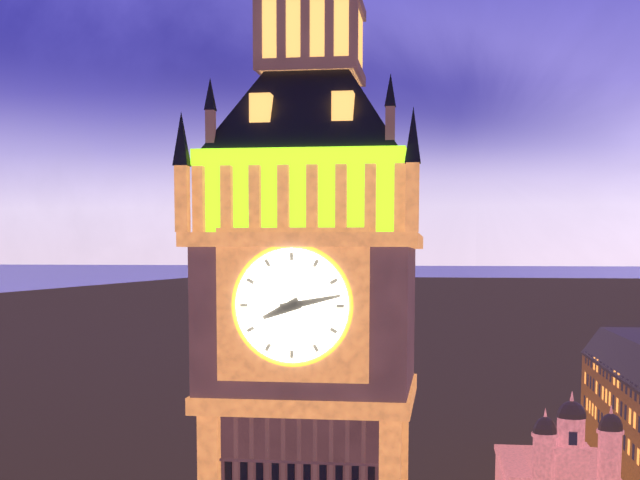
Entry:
8,13
